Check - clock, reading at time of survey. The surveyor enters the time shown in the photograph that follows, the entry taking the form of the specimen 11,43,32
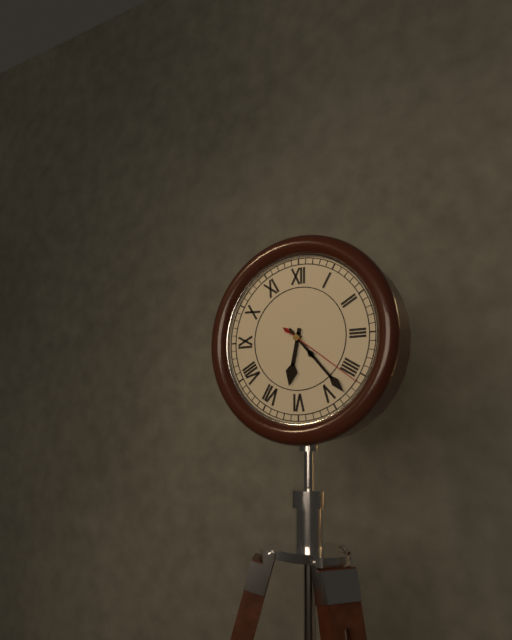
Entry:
6,23,21
